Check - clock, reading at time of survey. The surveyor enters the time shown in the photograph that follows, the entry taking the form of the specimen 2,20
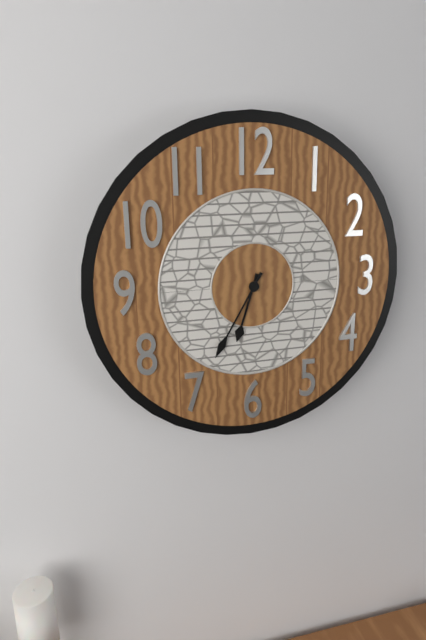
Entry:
6,35
